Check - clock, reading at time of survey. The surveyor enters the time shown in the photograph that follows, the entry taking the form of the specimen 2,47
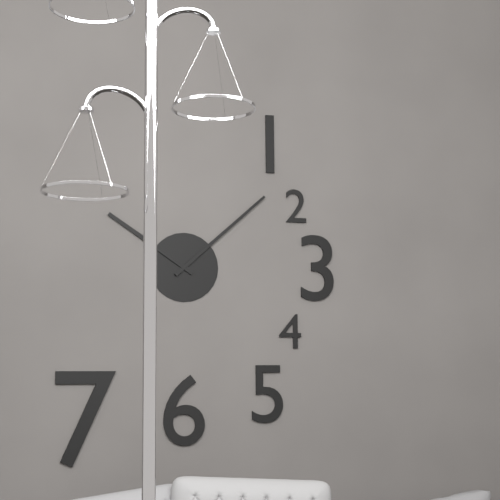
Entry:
10,08
